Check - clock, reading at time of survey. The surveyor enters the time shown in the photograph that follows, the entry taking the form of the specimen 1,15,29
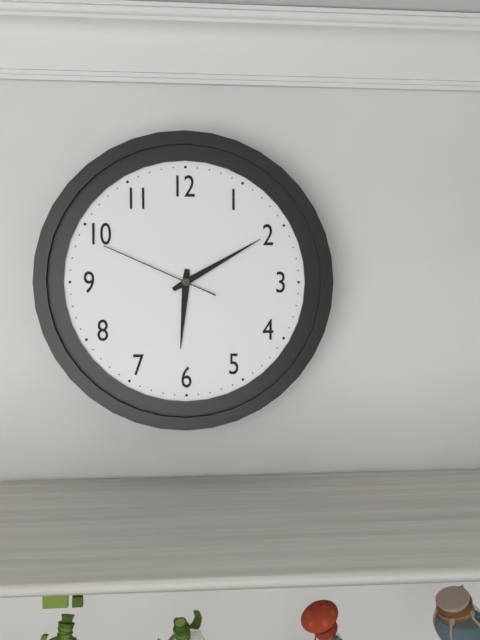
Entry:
6,10,49
